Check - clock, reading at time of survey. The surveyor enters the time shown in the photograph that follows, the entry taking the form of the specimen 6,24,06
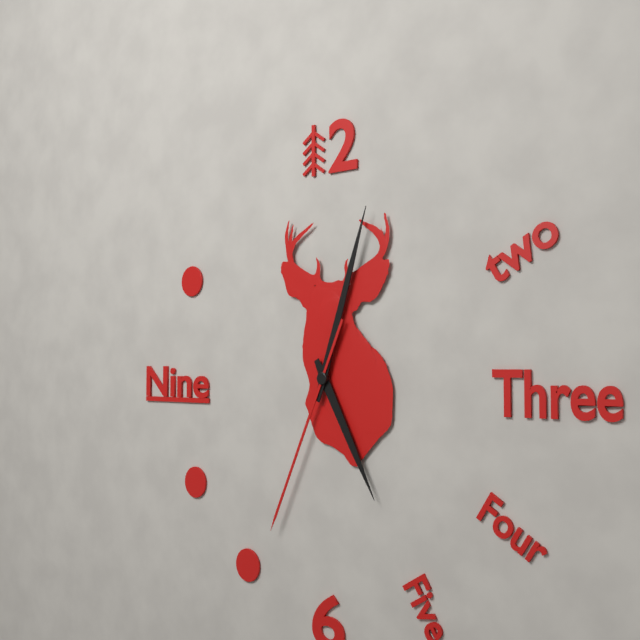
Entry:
5,03,34
